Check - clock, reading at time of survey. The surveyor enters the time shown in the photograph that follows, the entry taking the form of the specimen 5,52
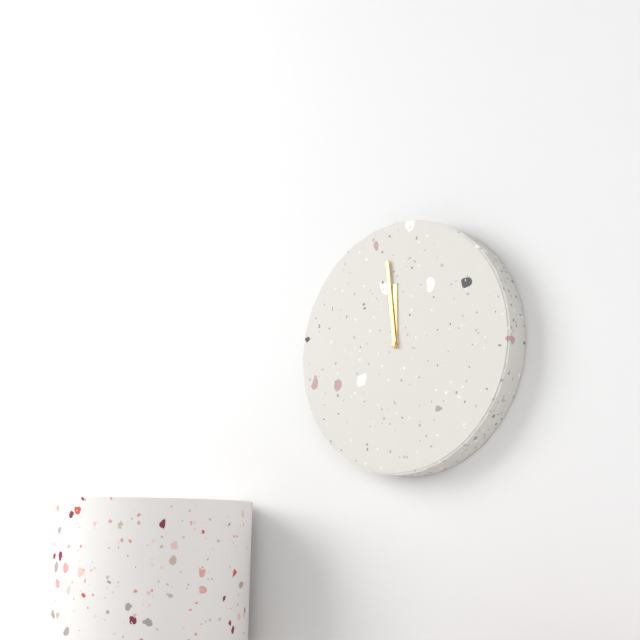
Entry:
11,59
